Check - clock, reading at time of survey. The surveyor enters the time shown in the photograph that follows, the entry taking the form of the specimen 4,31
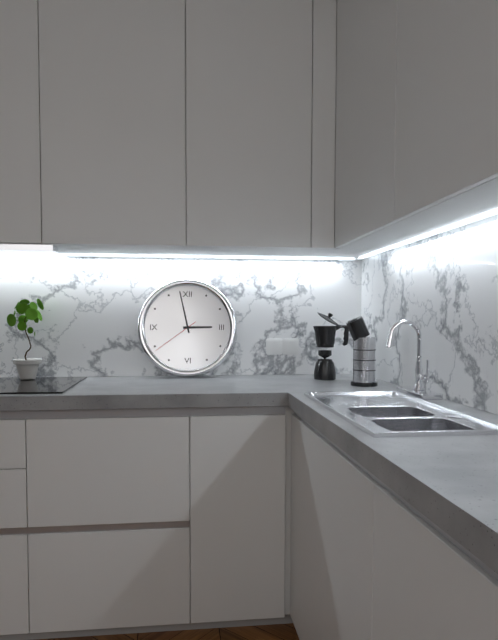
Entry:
2,58
